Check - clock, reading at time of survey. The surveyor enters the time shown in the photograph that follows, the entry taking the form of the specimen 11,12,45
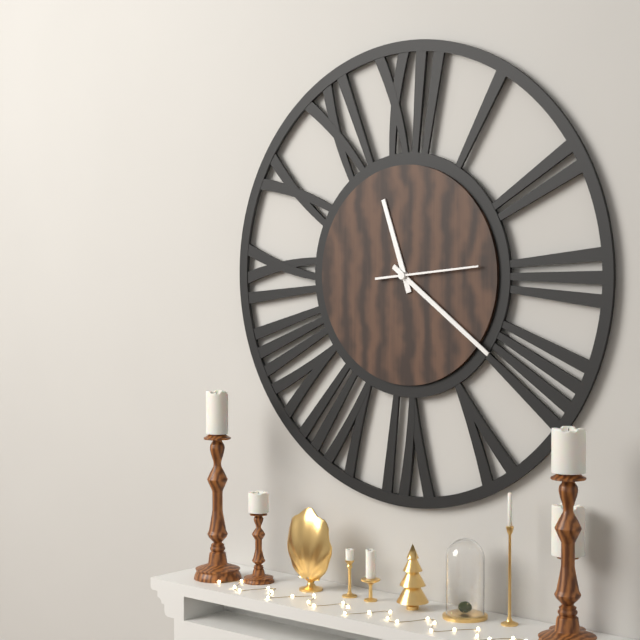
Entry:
11,21,14
